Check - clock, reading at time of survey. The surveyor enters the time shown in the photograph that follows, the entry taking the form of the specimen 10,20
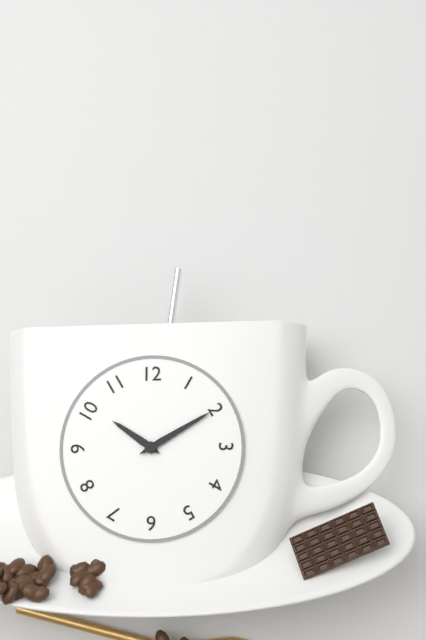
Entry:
10,10
